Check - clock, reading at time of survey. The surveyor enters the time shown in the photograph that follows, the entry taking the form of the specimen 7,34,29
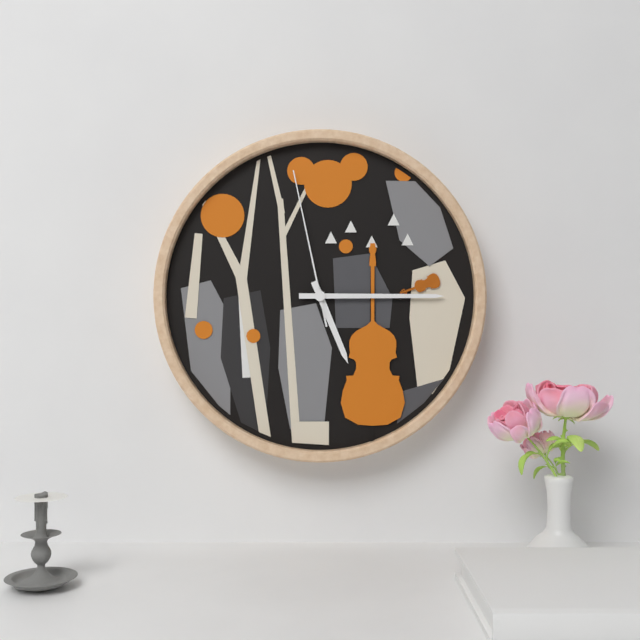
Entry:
5,15,58
